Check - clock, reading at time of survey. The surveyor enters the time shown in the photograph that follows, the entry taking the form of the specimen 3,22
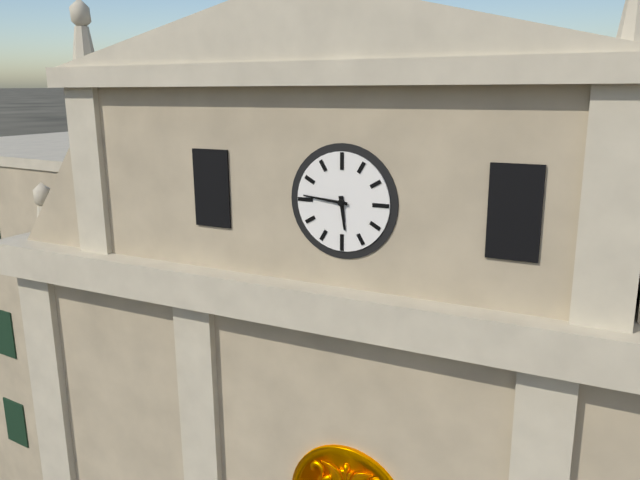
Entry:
5,46
